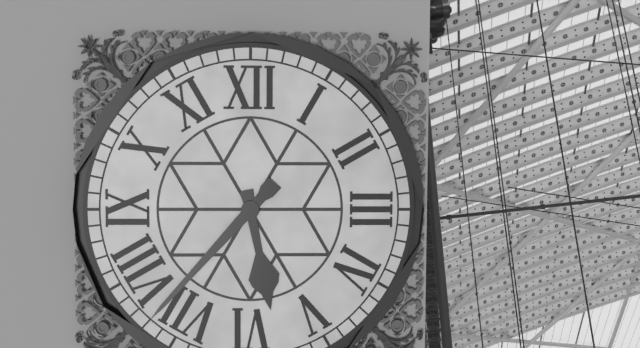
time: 5:37
